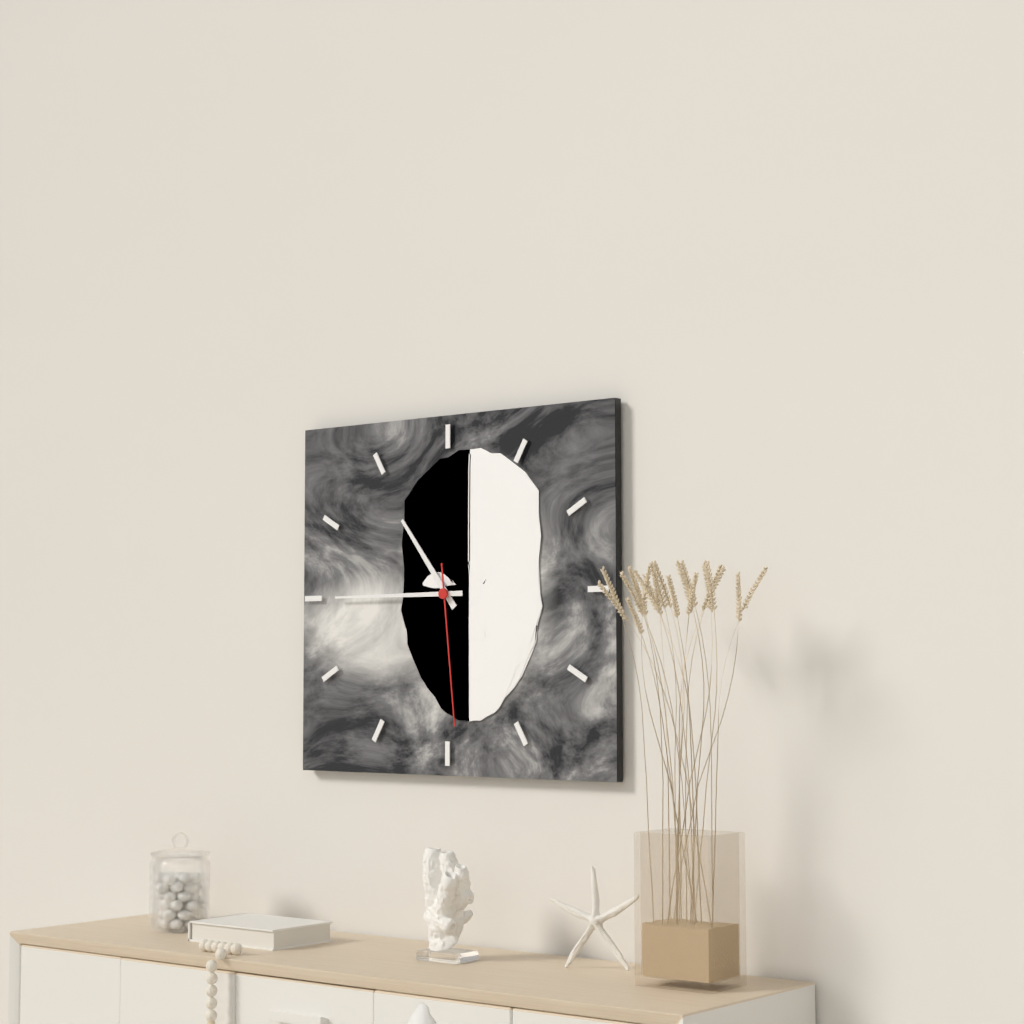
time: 10:45:29
